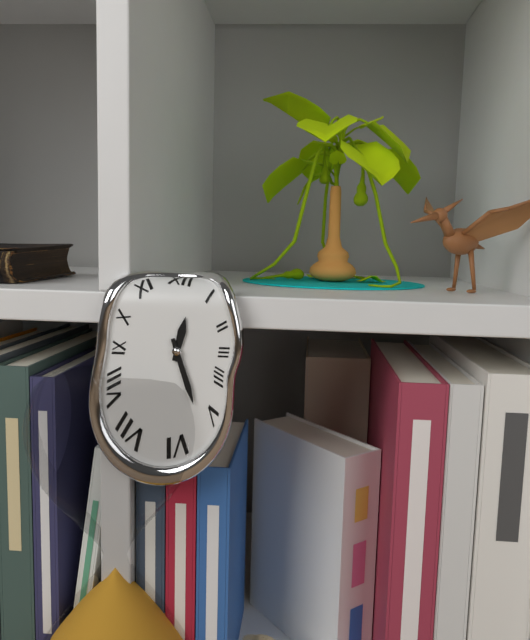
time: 12:27
